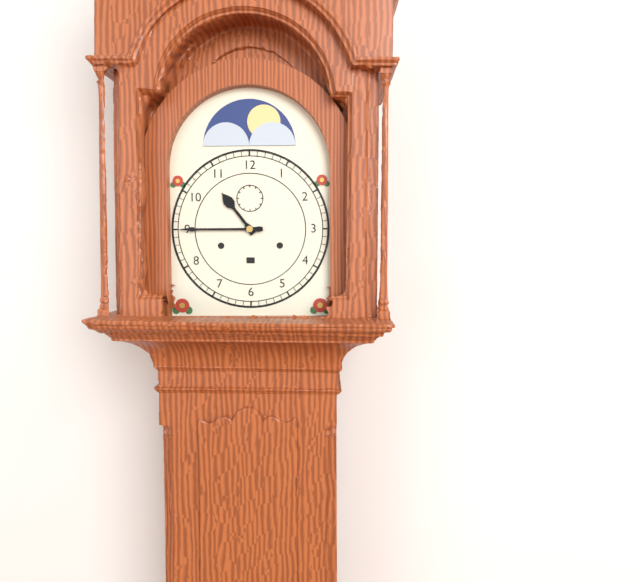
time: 10:45
